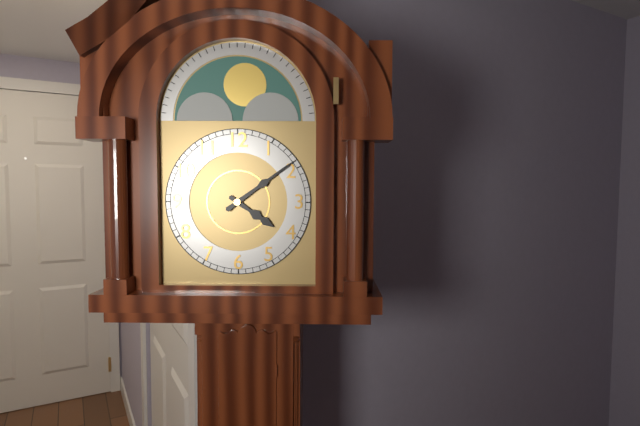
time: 4:09
